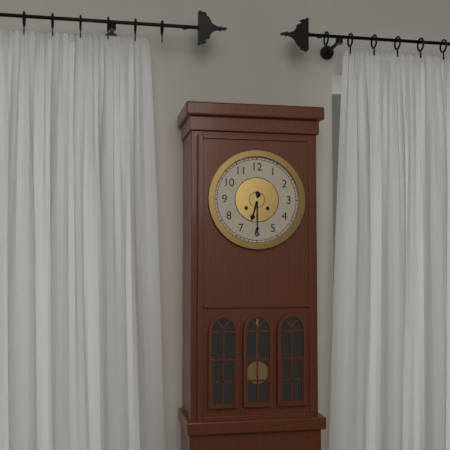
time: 6:30
